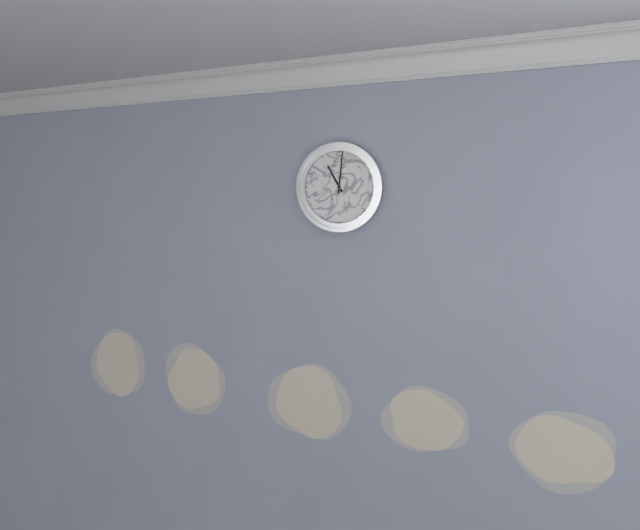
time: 11:01
